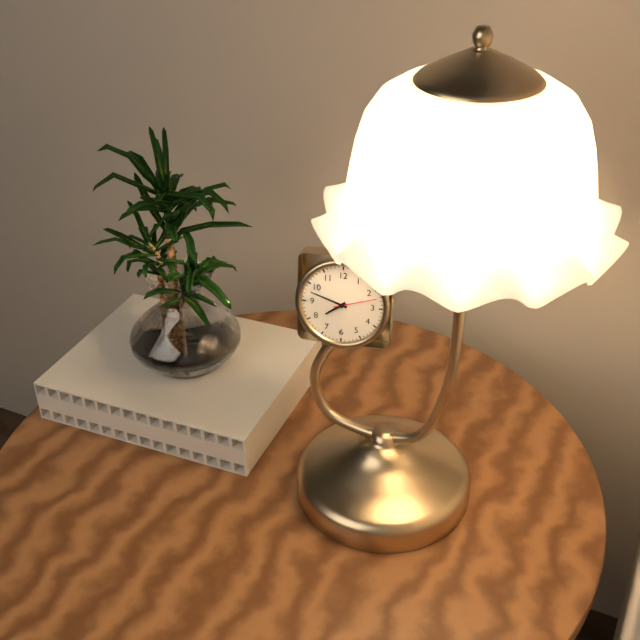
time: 7:48
